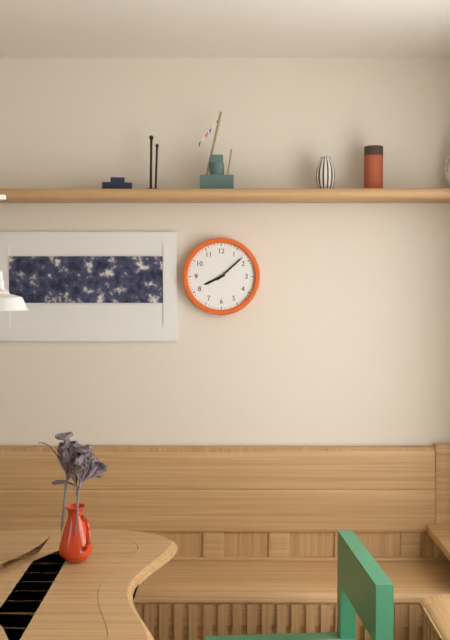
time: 8:08
